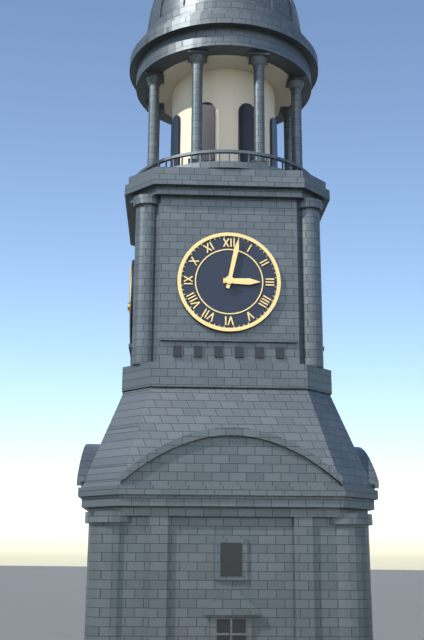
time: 3:02
